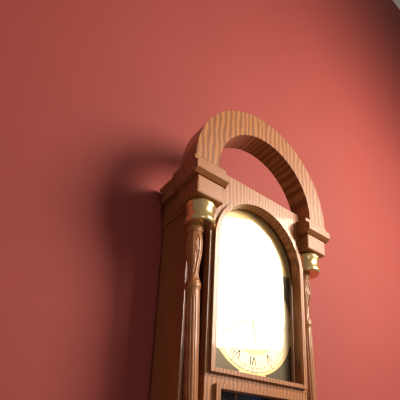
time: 5:40
